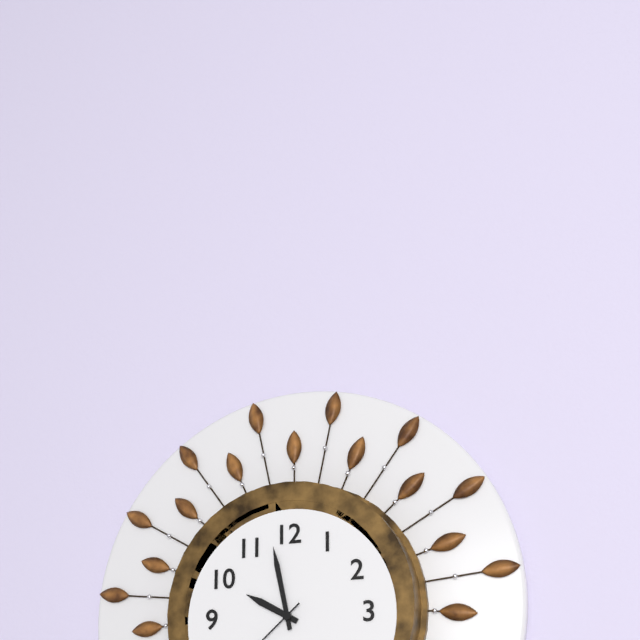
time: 9:58
